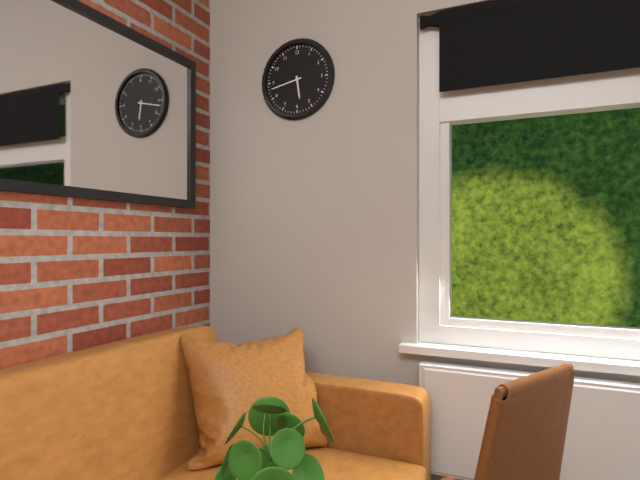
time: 5:43
